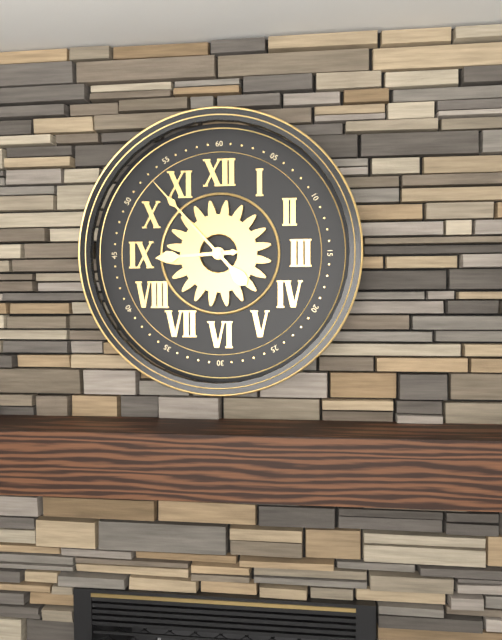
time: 8:53
